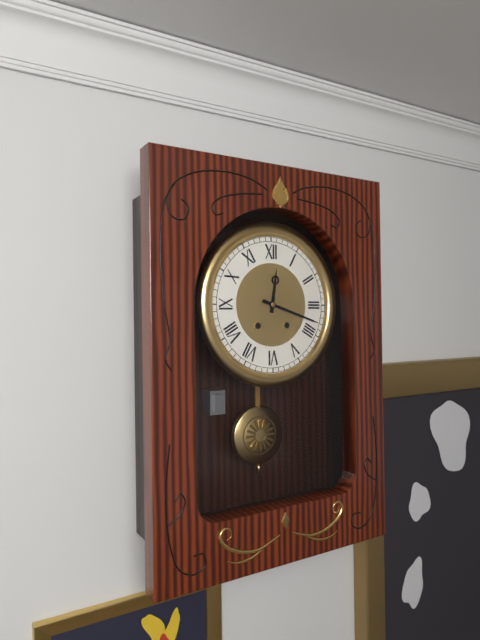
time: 12:18
